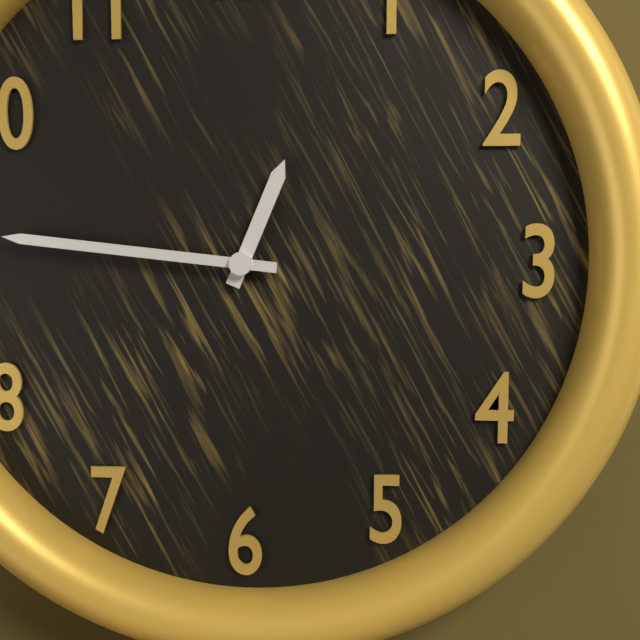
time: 12:46
